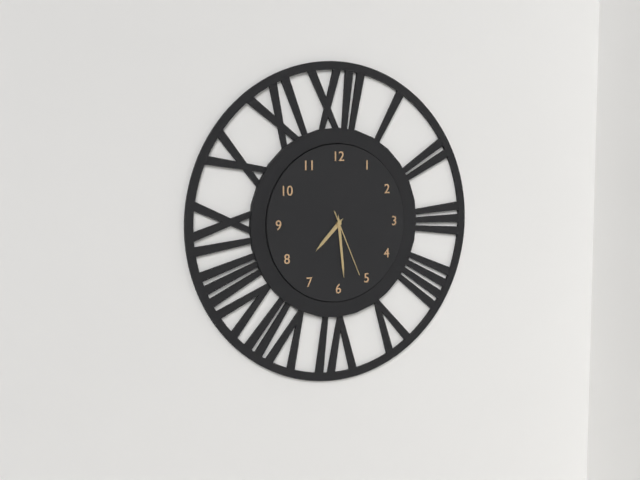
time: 7:29:26
